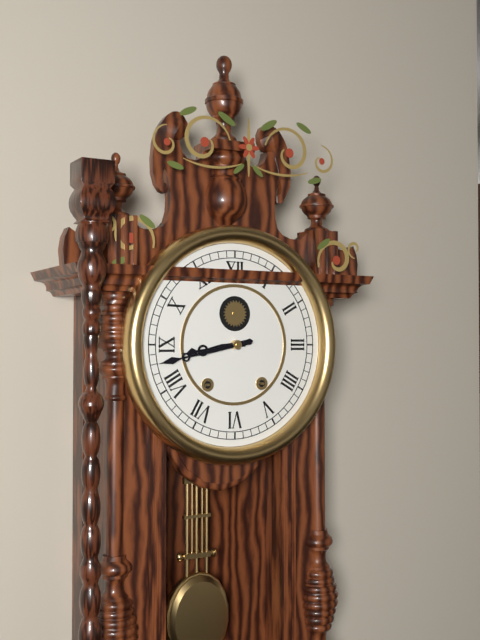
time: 8:43
